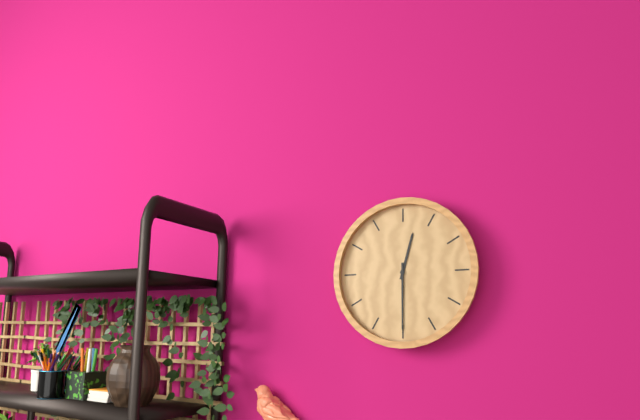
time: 12:30
